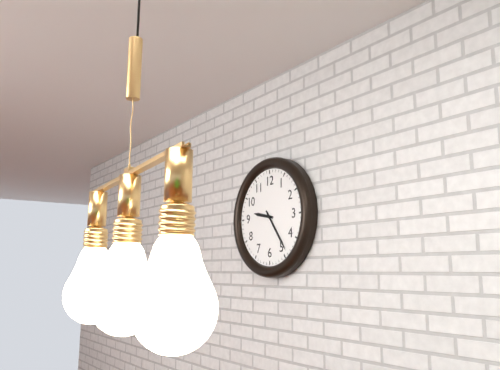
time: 9:24
